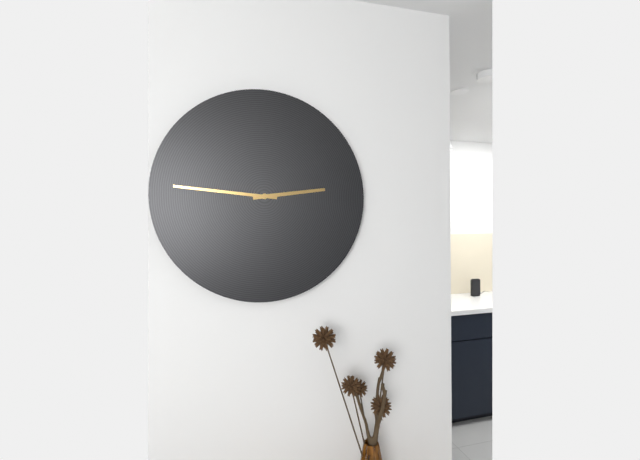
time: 2:46
